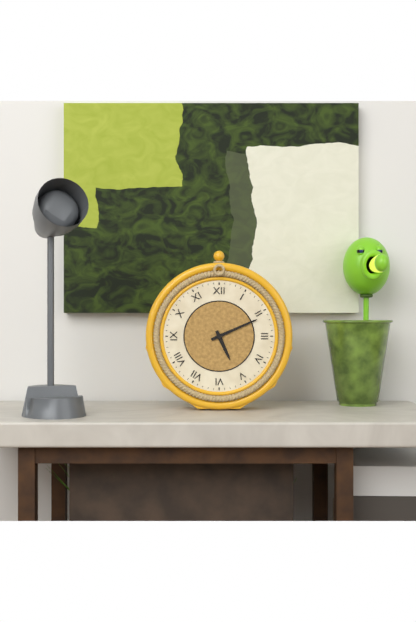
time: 5:11
